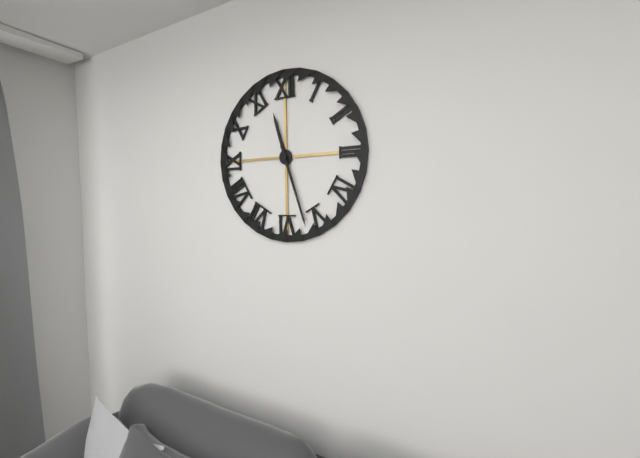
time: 11:27
